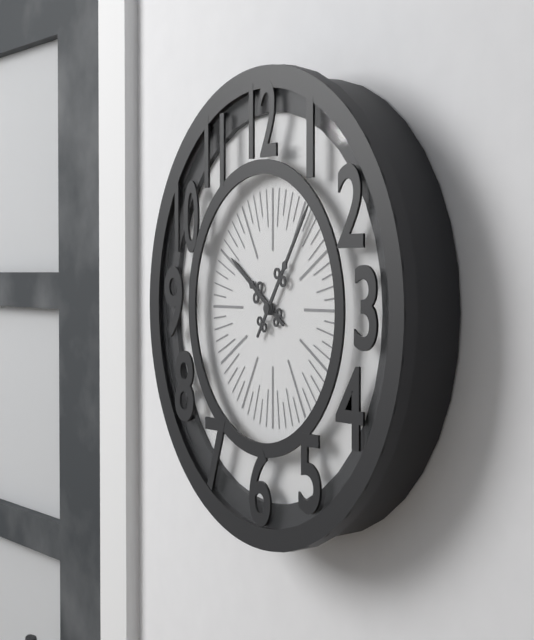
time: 10:06
